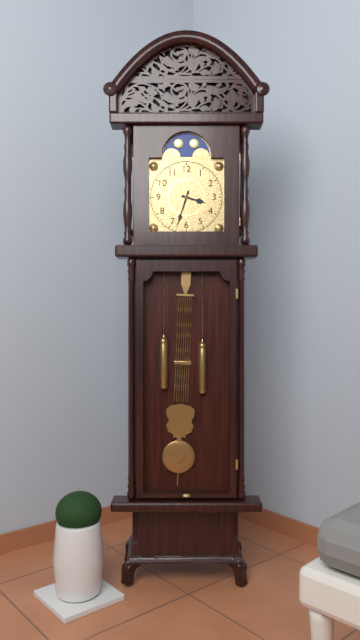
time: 3:33
